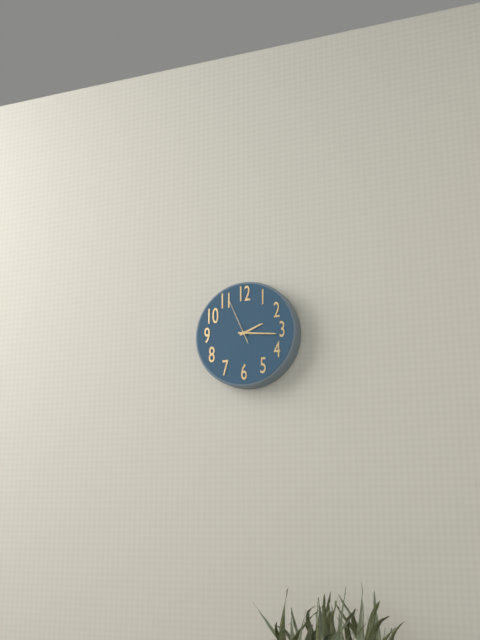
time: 2:16
